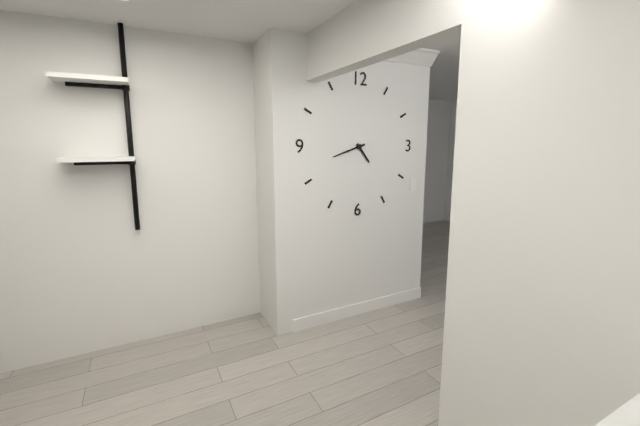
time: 4:42
